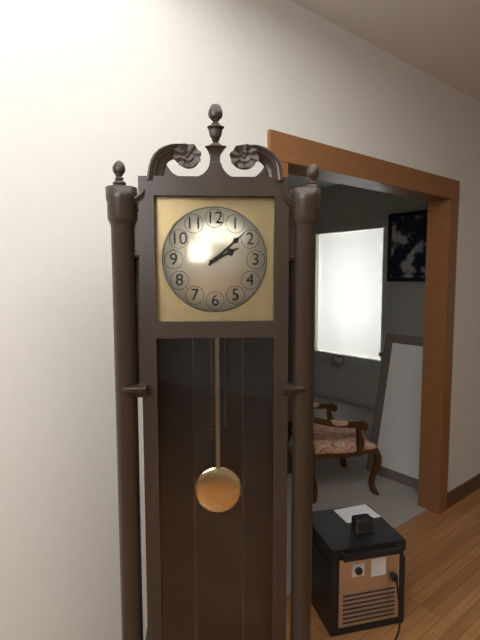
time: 2:08
